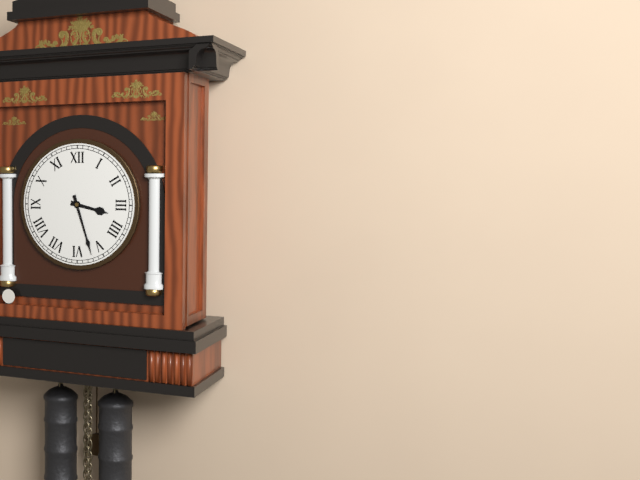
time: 3:27
